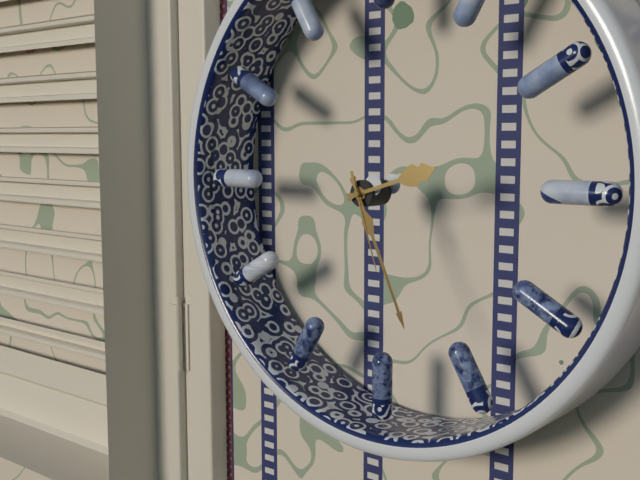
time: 2:26:27
